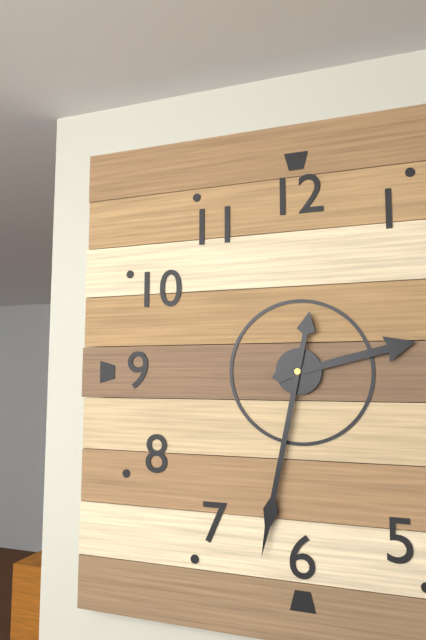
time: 2:32
